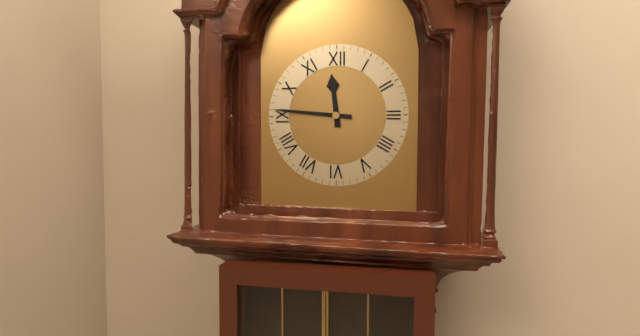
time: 11:46
